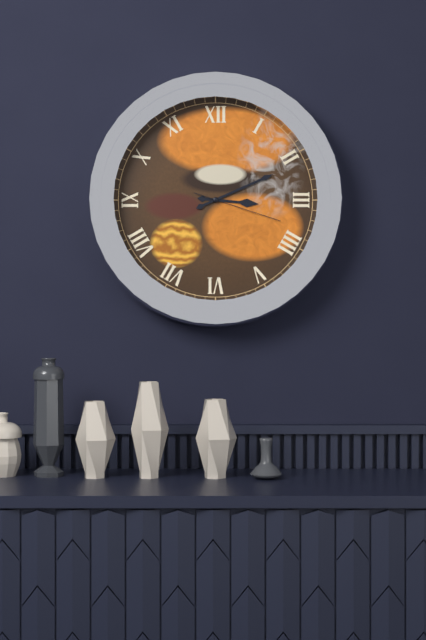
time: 3:11:18
